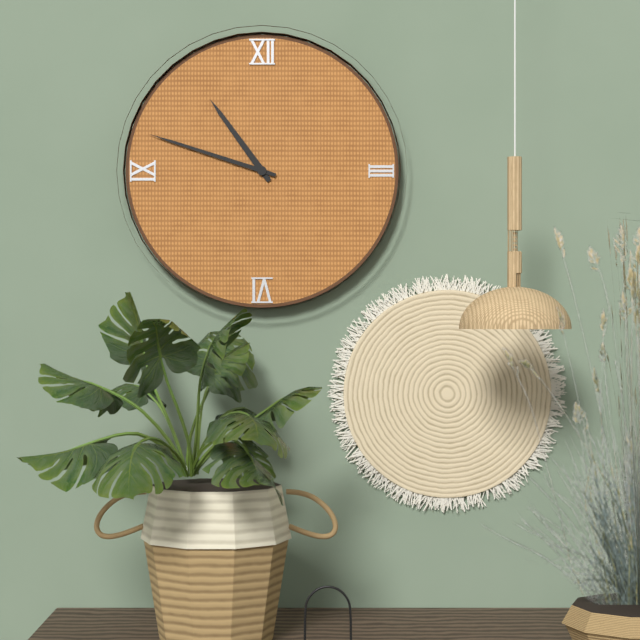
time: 10:48
